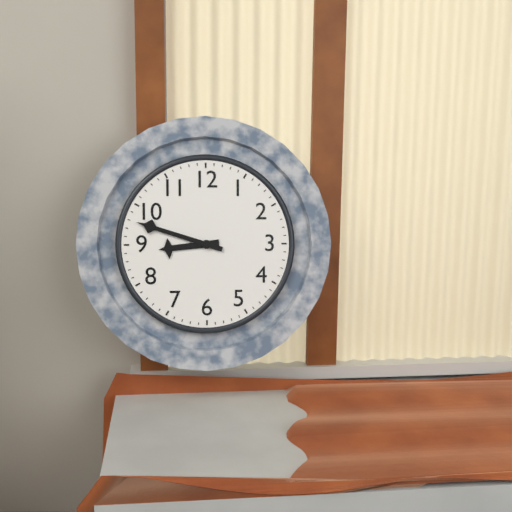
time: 8:48
